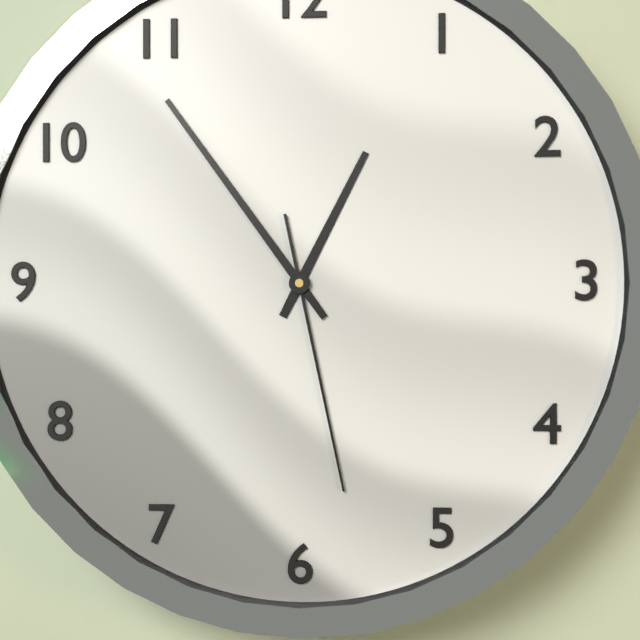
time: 12:54:28
